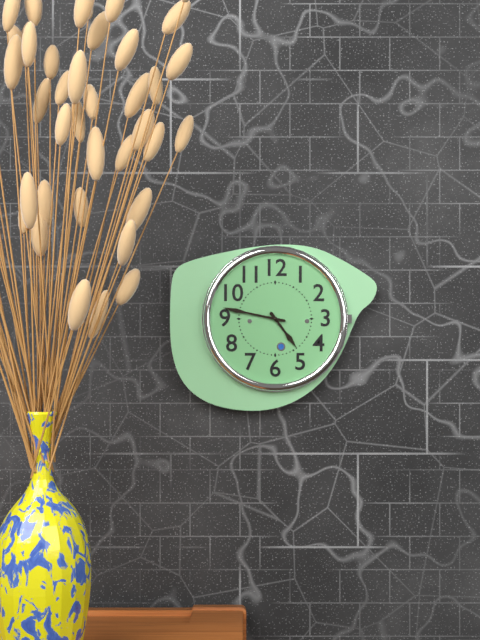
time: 4:47
